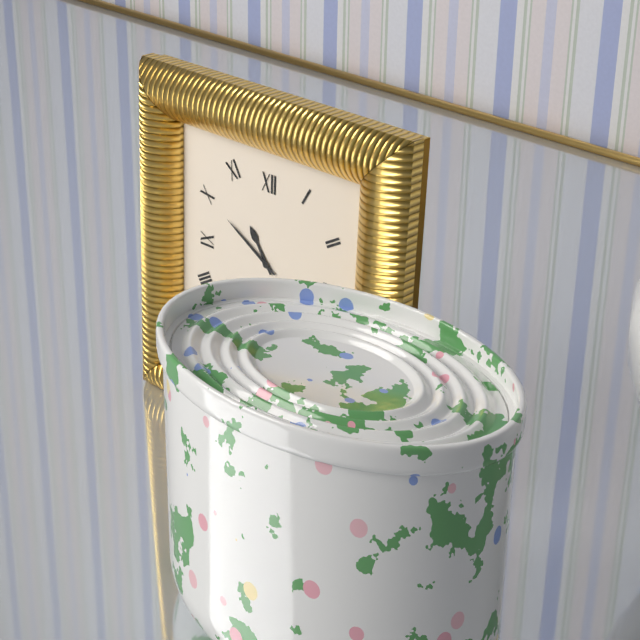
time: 10:50
